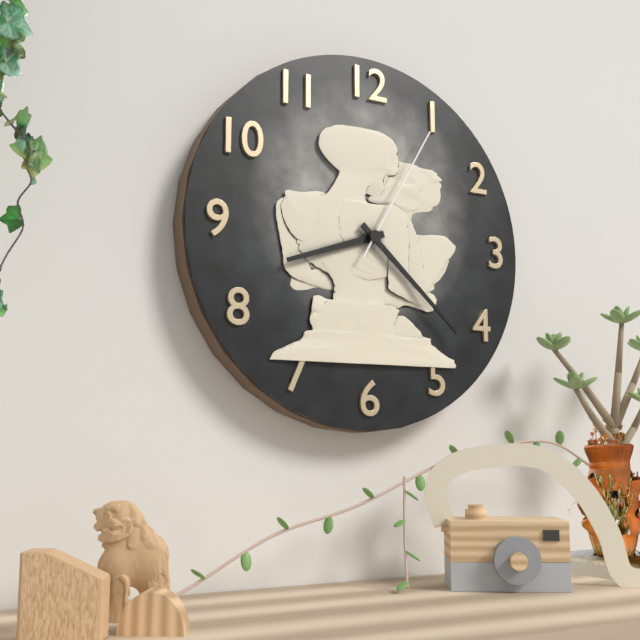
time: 8:22:05
